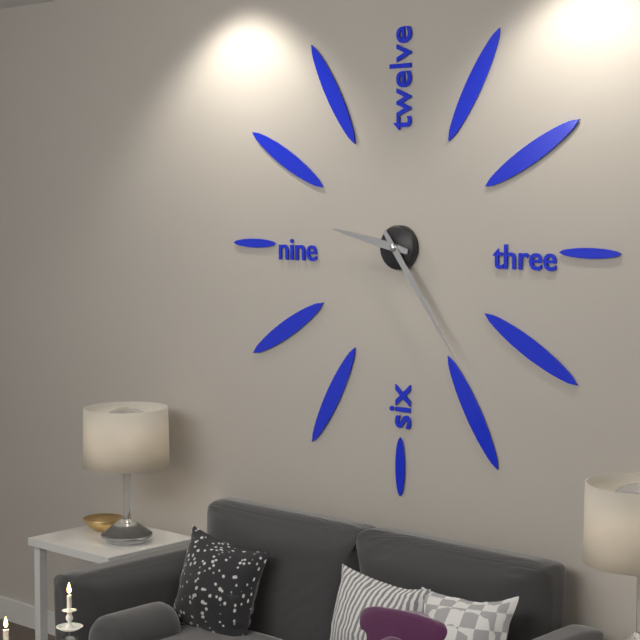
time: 9:24
